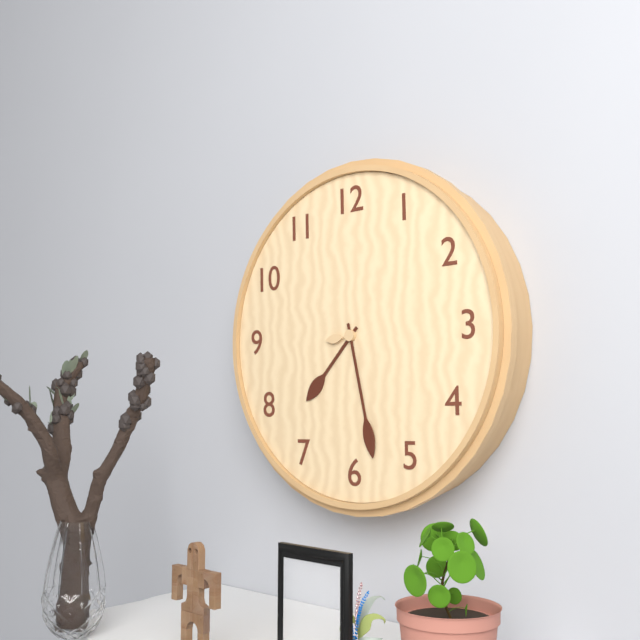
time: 7:28:44
